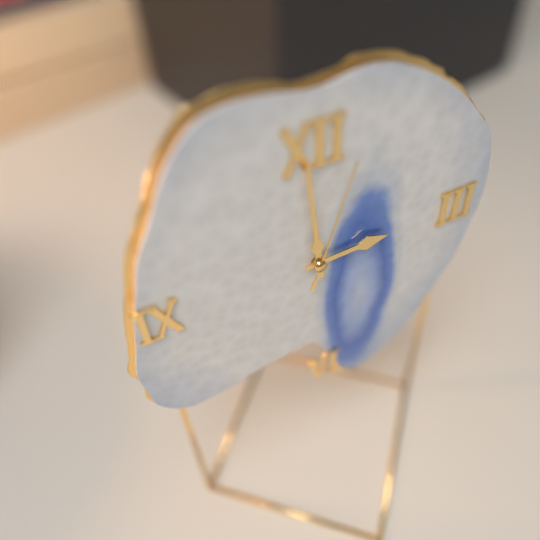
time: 2:59:03
